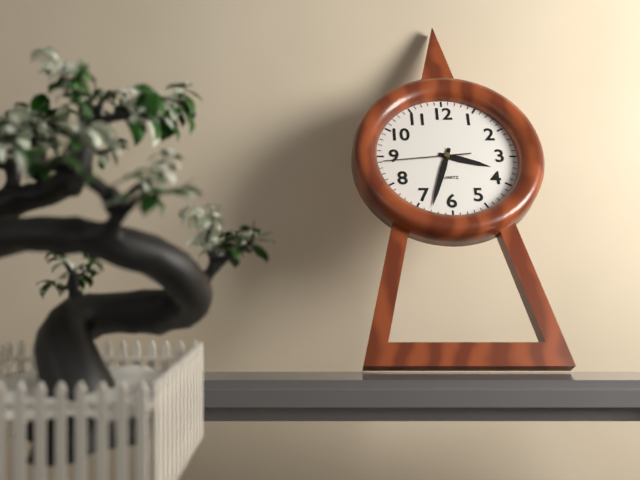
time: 3:33:44
